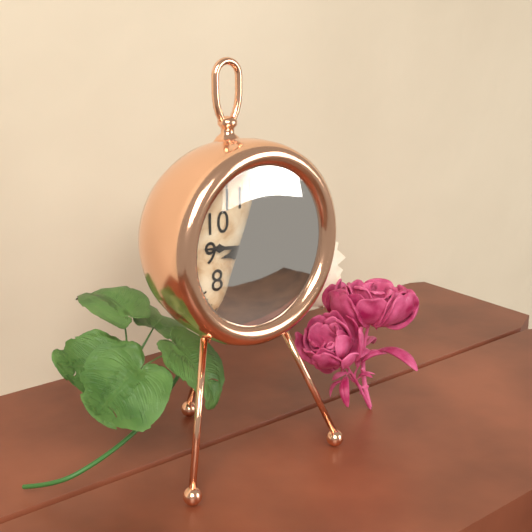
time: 8:46
